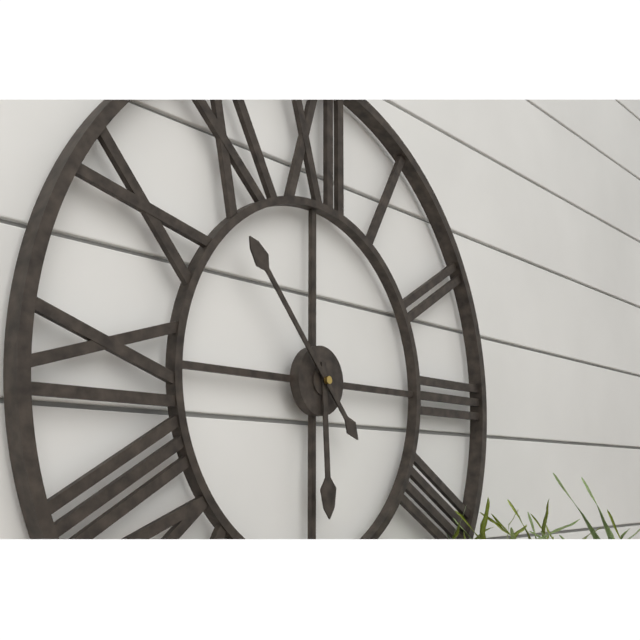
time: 5:53
